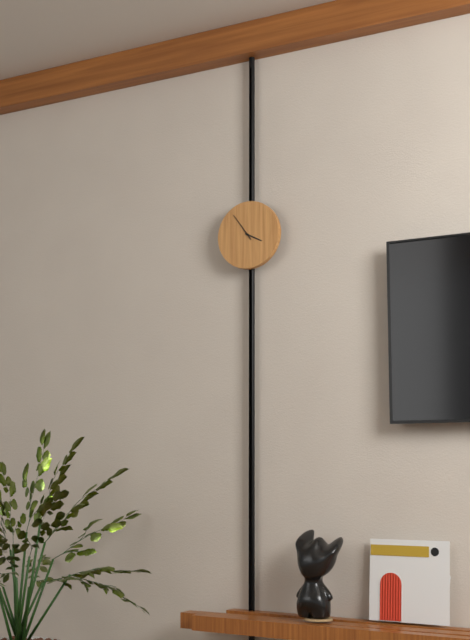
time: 3:54
